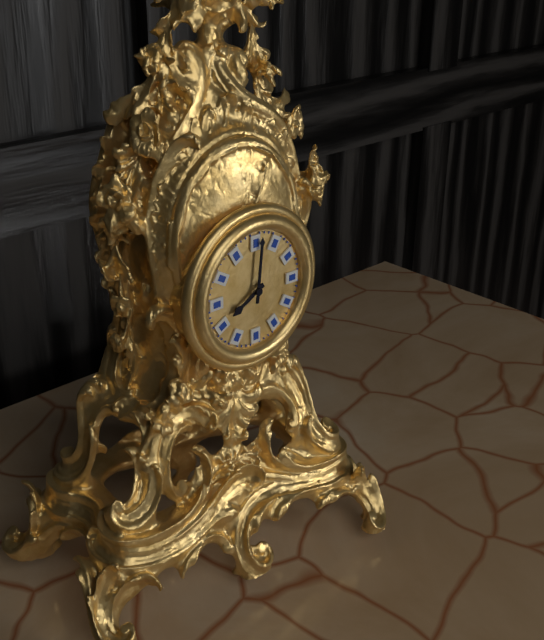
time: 8:01
